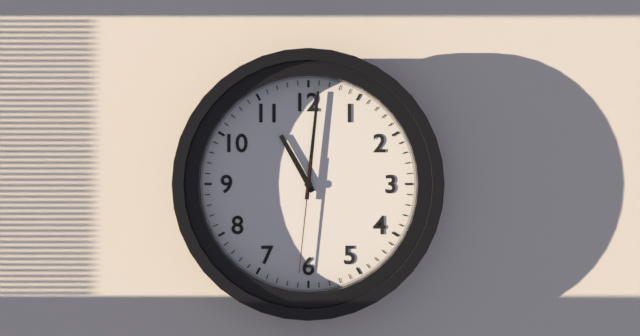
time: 11:01:31
